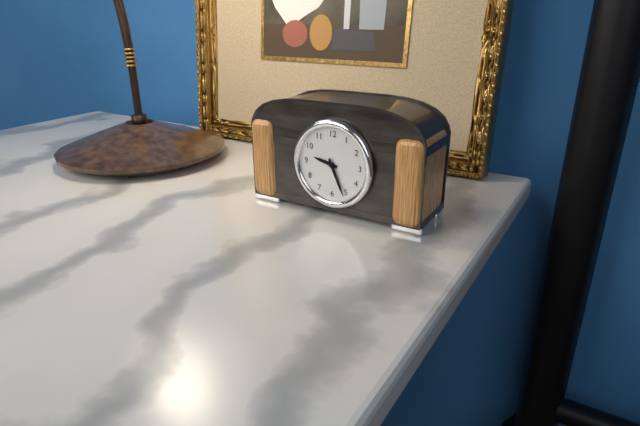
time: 9:26
